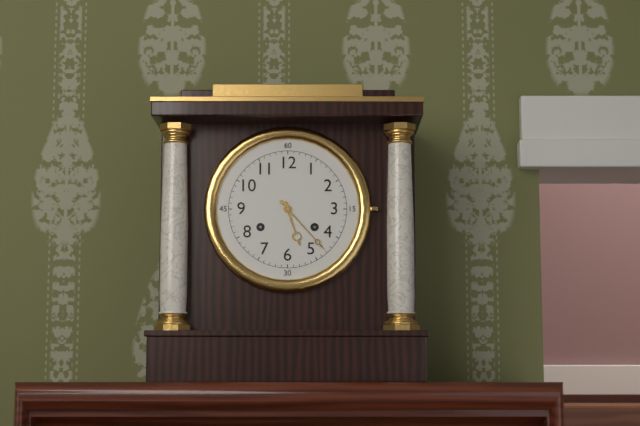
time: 5:23
